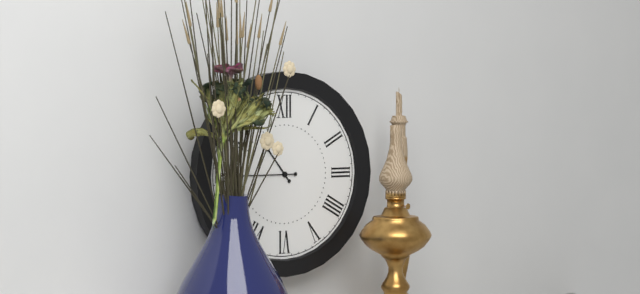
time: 10:45
